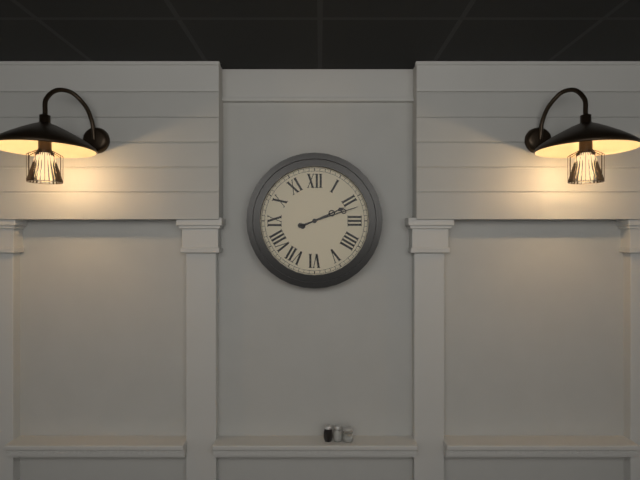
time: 2:12
